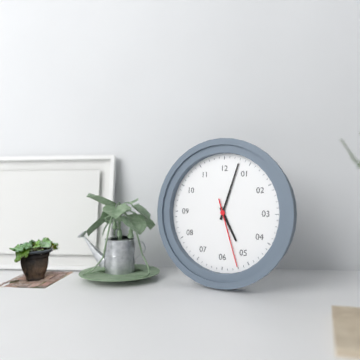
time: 5:03:27
